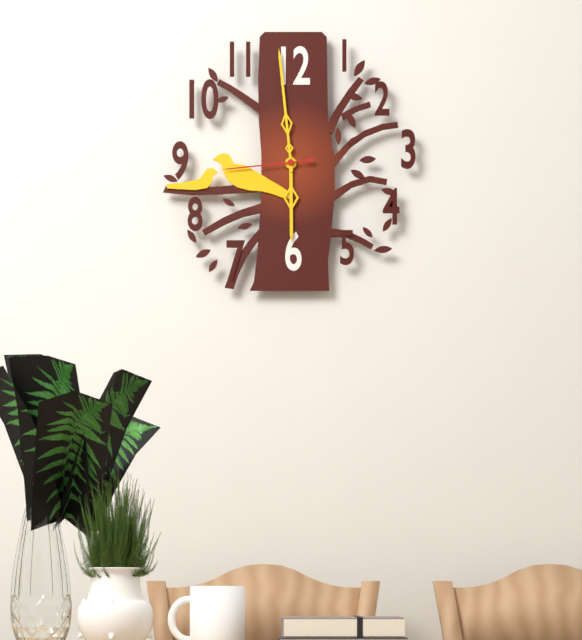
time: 5:59:44
